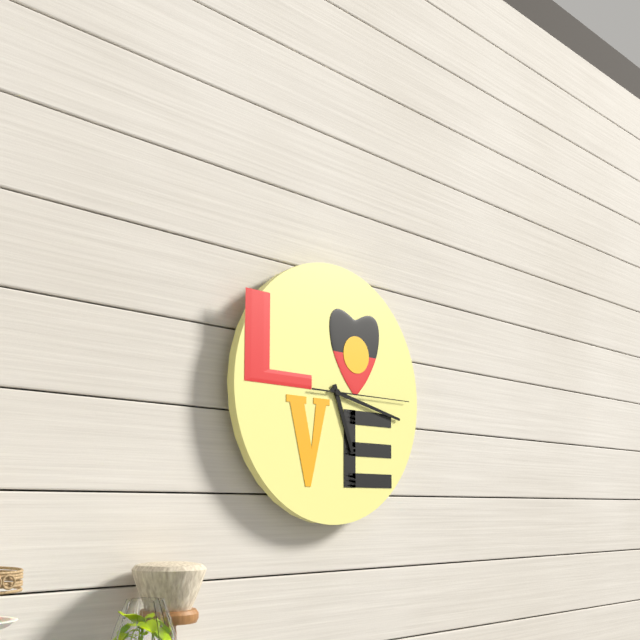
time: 5:17:15
